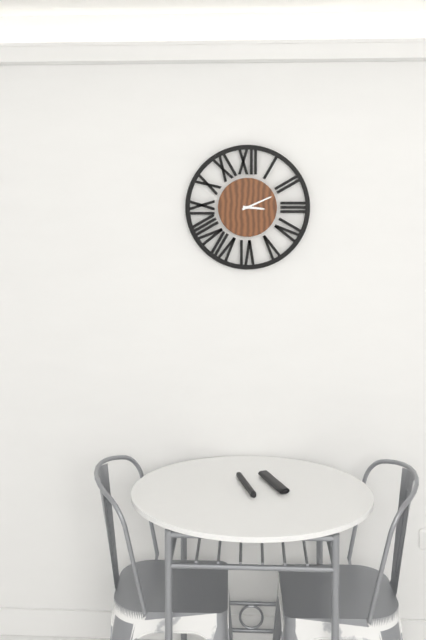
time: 3:11
